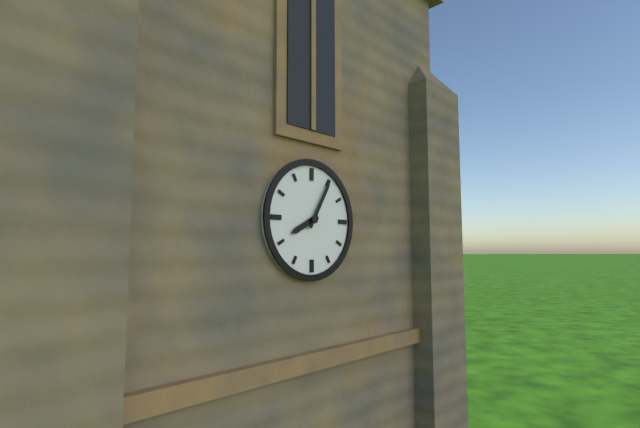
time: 8:05
